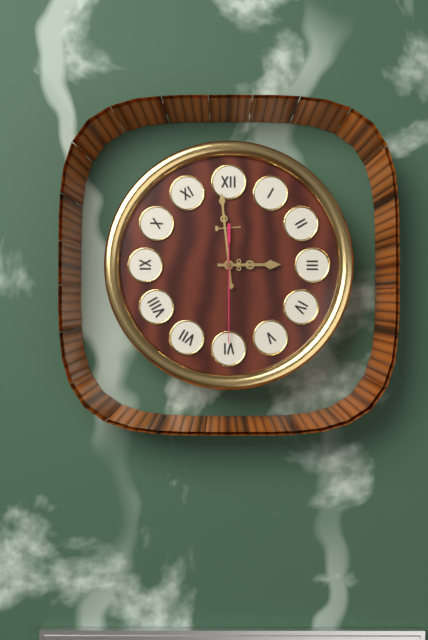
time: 2:59:30
